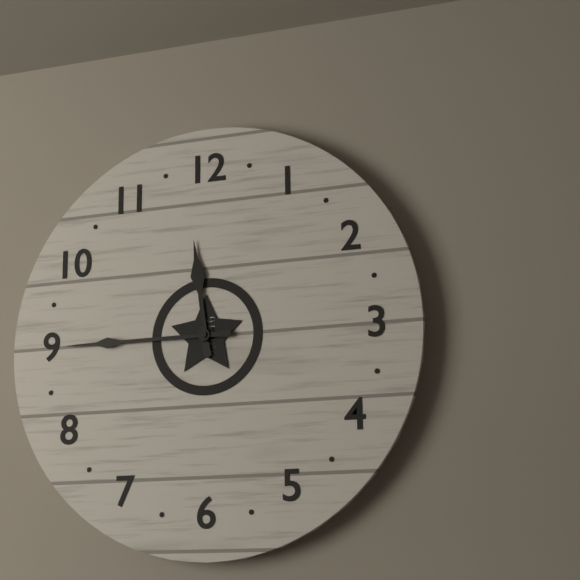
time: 11:45
